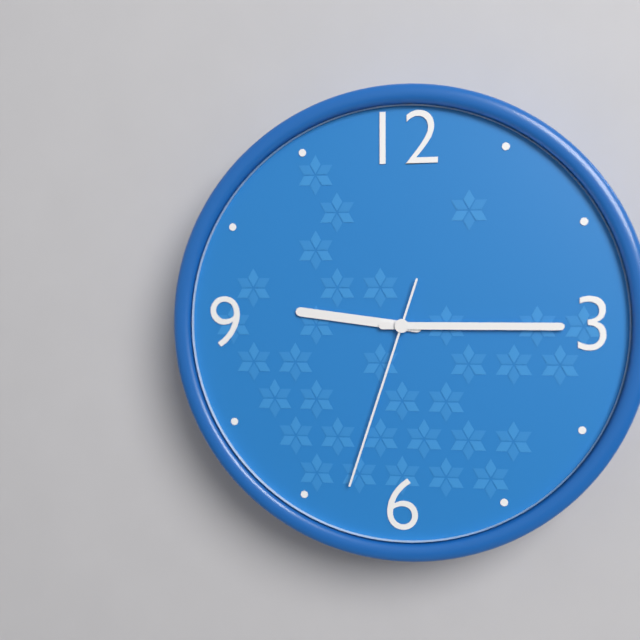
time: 9:15:33
